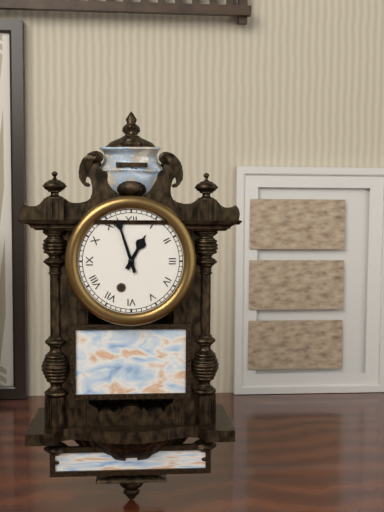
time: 12:57
